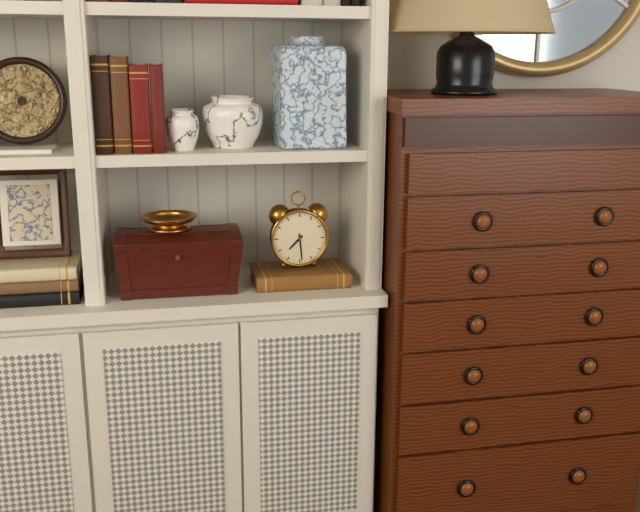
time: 7:29
